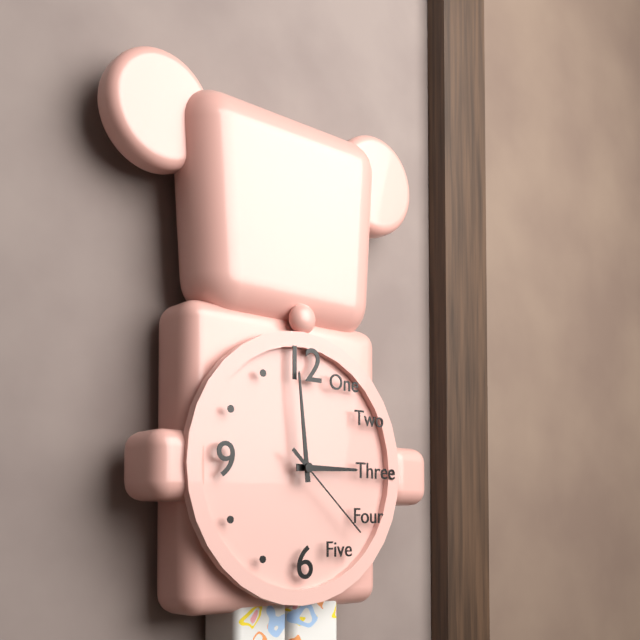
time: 2:59:22
